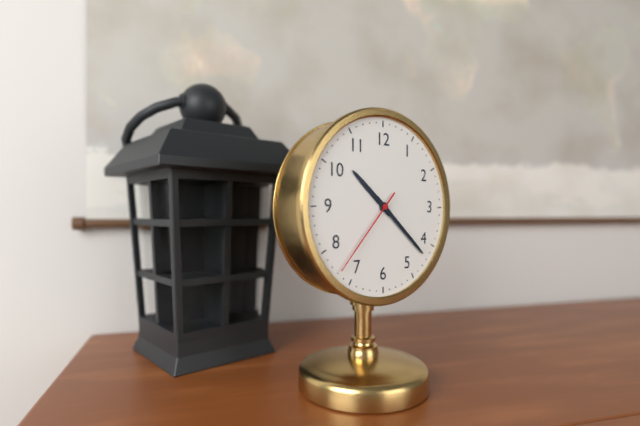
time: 10:22:37
